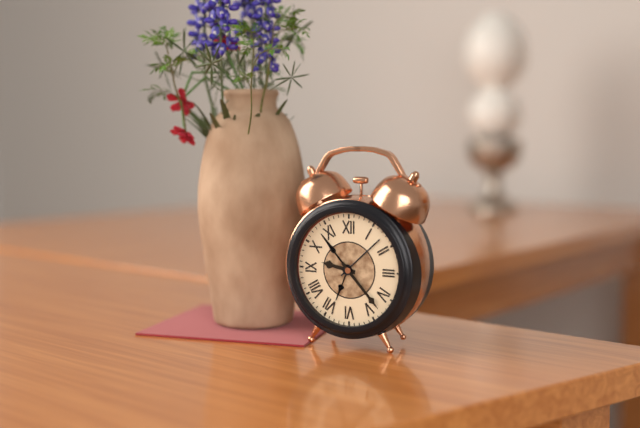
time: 9:23
